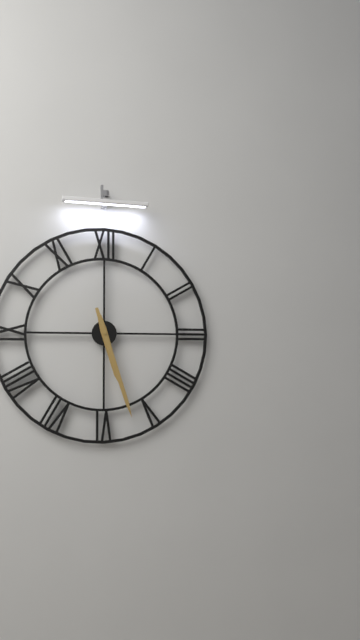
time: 5:27
